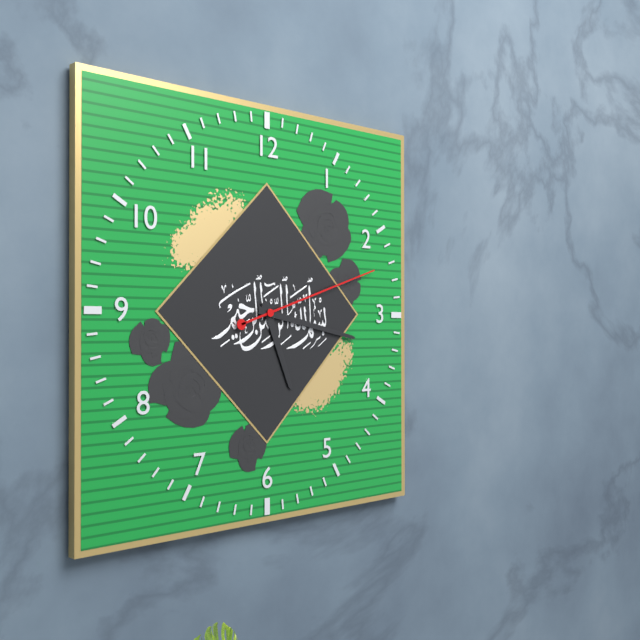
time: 5:17:12
